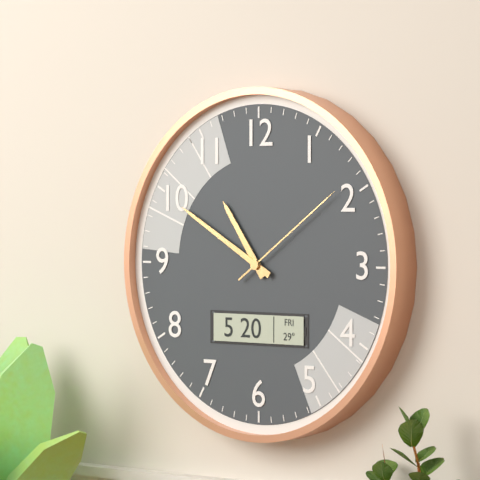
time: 10:50:09
